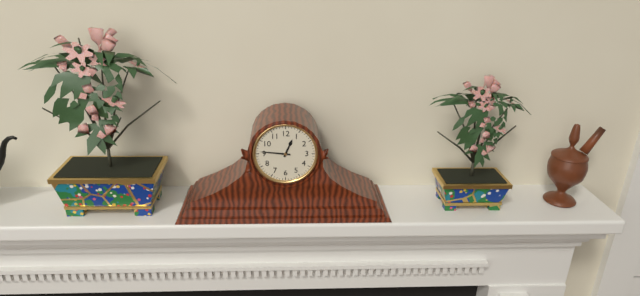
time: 12:46
